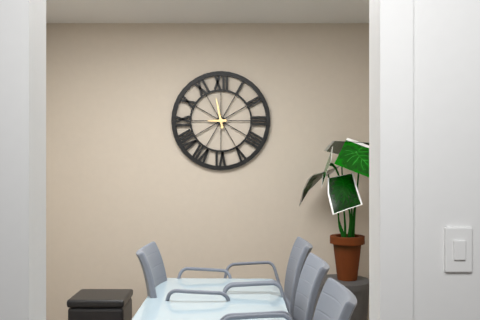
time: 8:58
